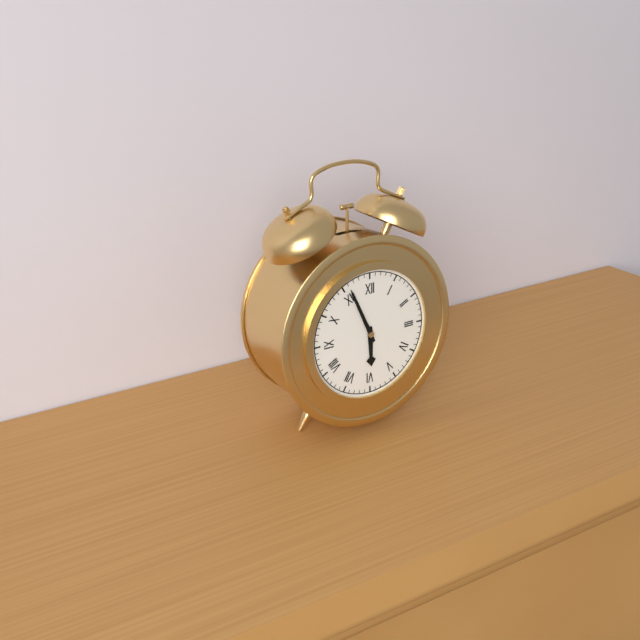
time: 5:56
